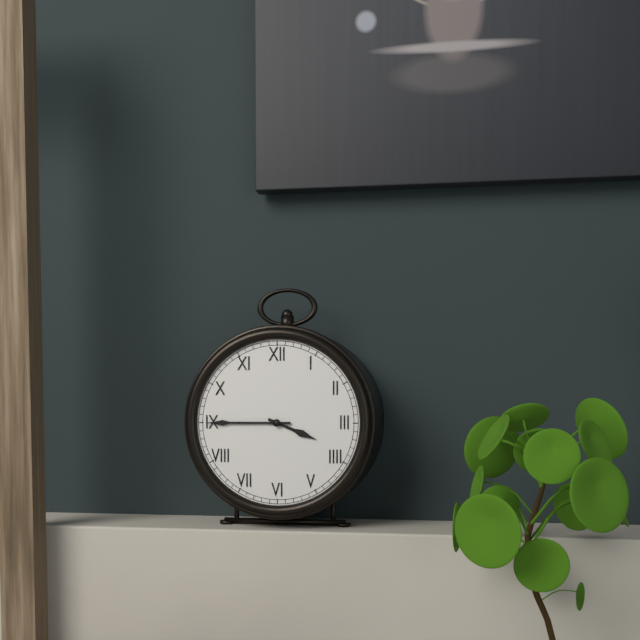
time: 3:45
